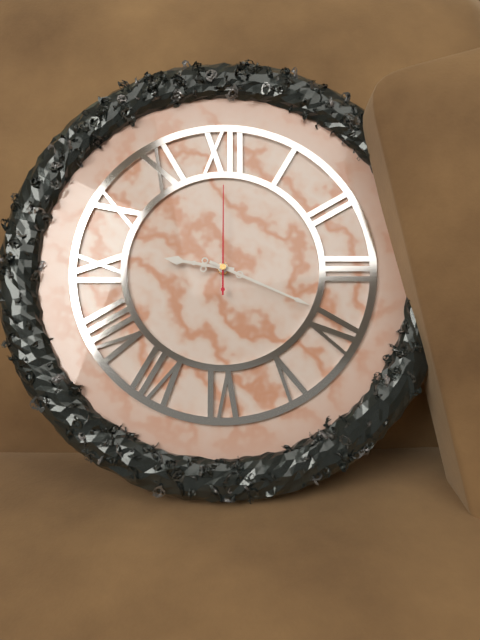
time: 9:19:00
